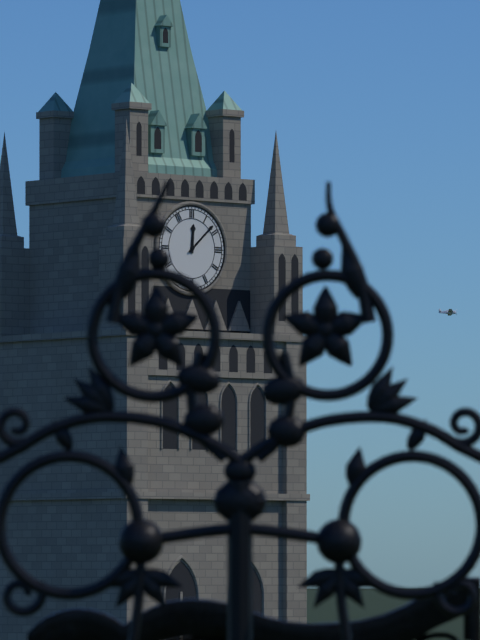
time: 12:08
